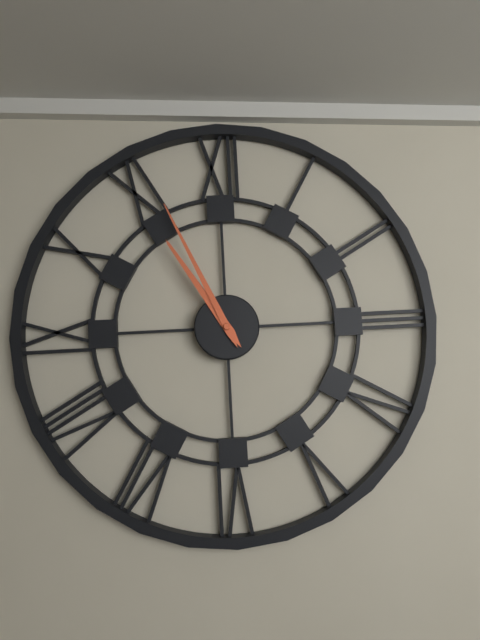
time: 10:56
